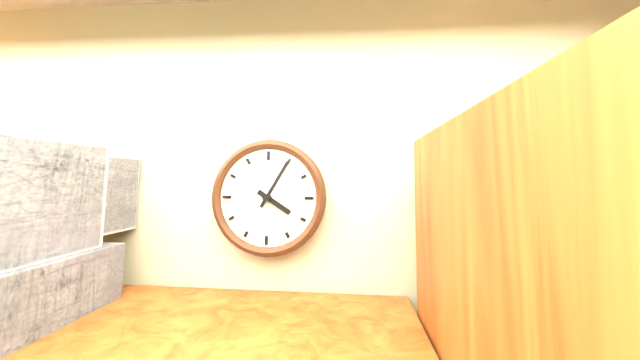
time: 4:05
